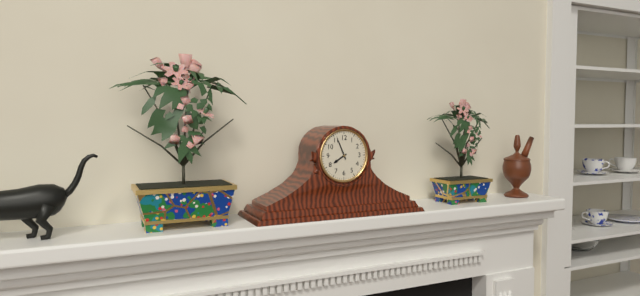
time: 7:56
